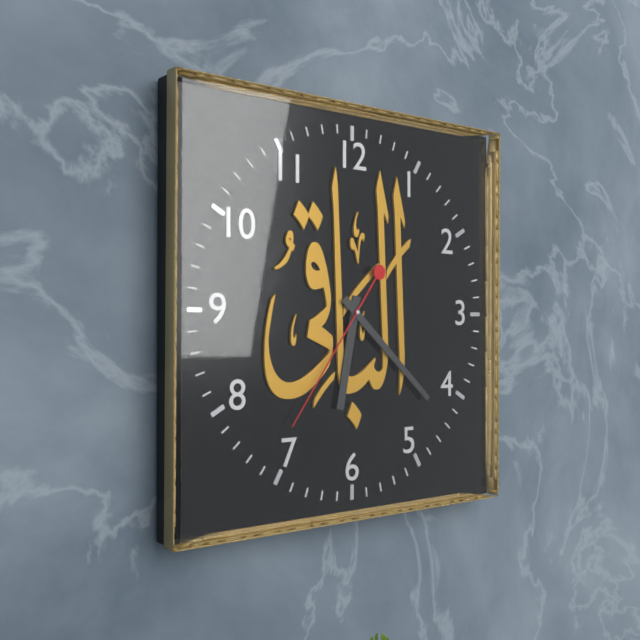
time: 6:22:36
